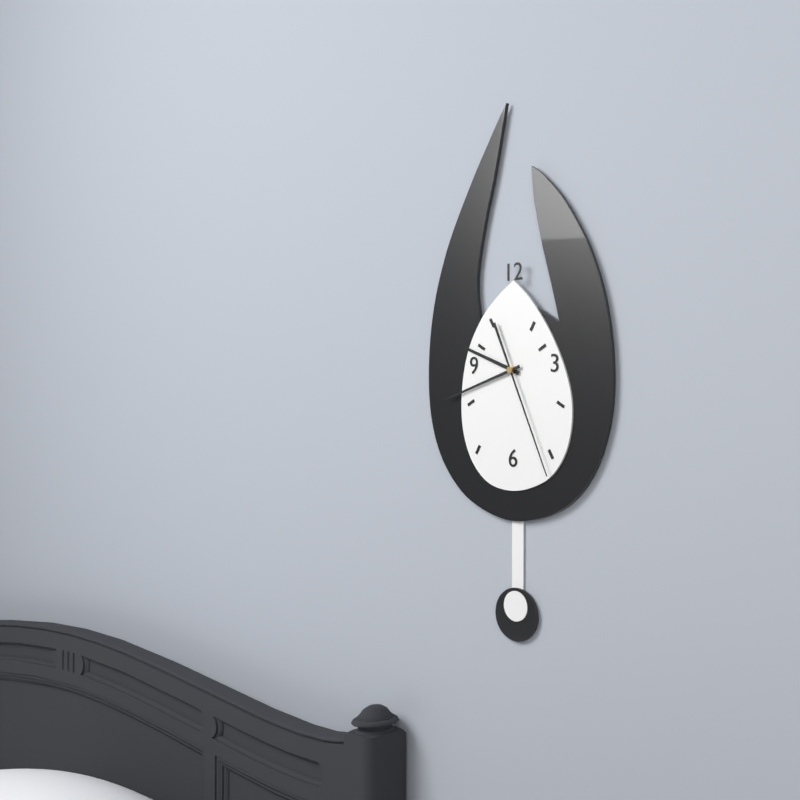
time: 9:42:26
